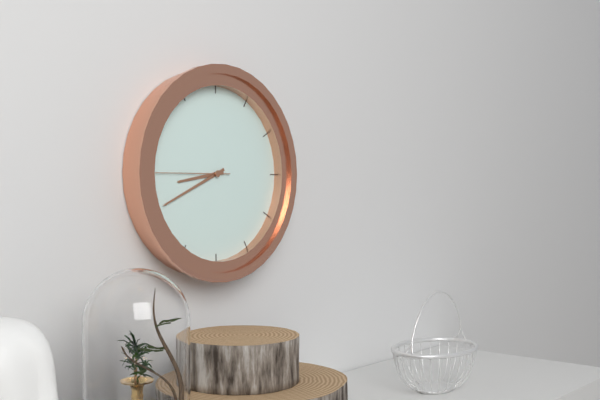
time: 8:41:45
